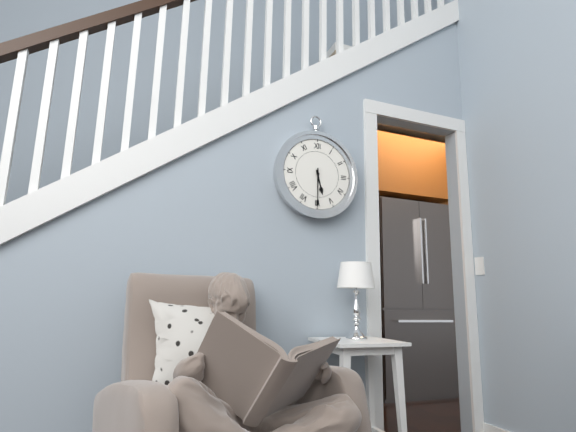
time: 5:30
